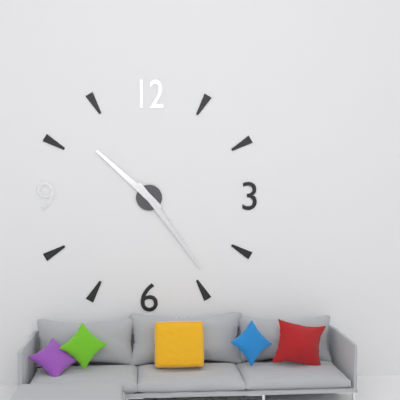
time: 10:24
